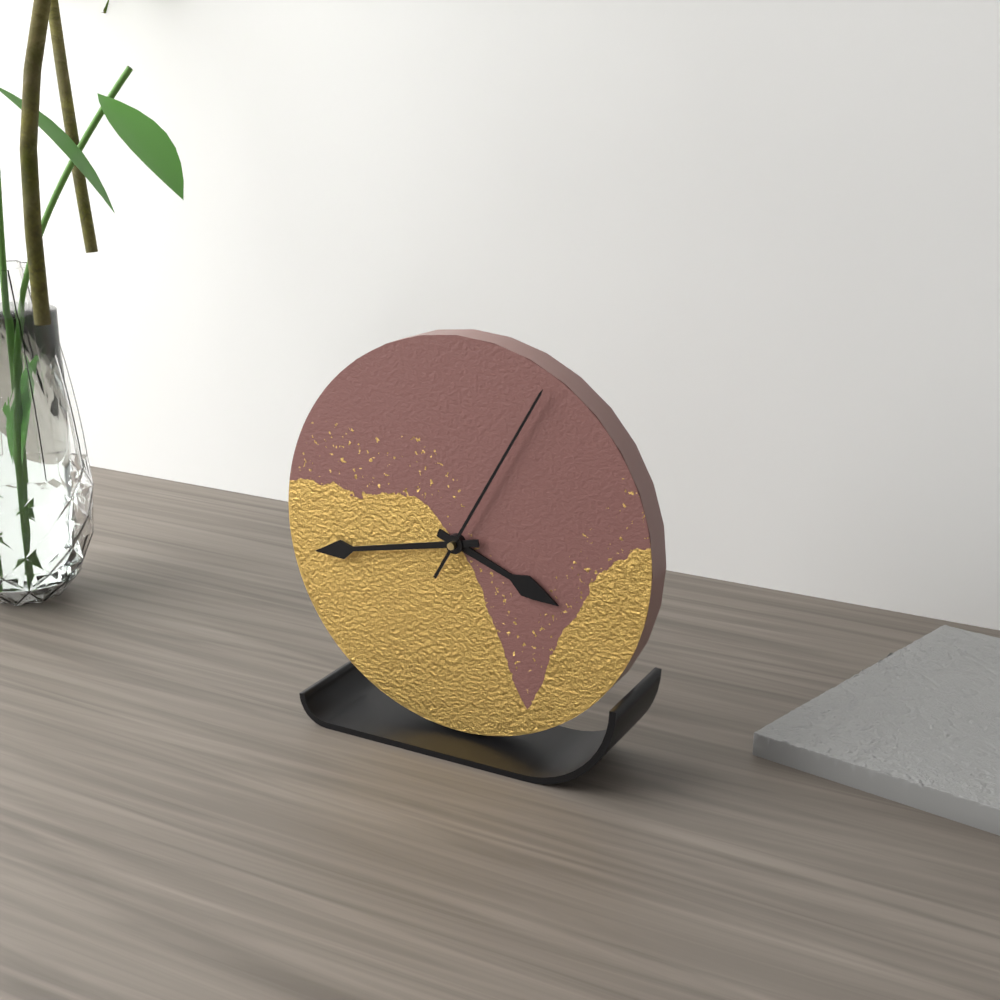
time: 3:43:05
